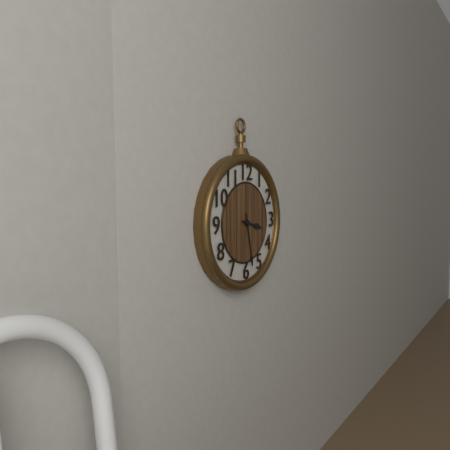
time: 3:28
